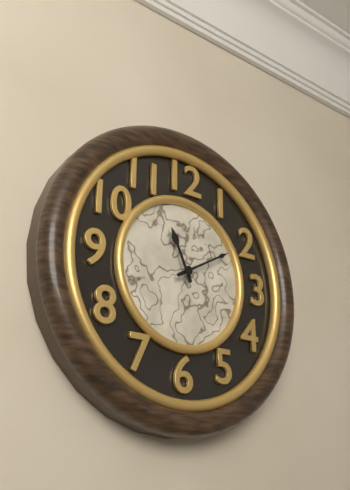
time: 11:10
